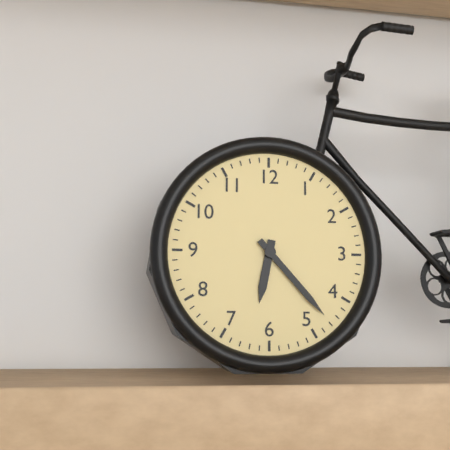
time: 6:23
